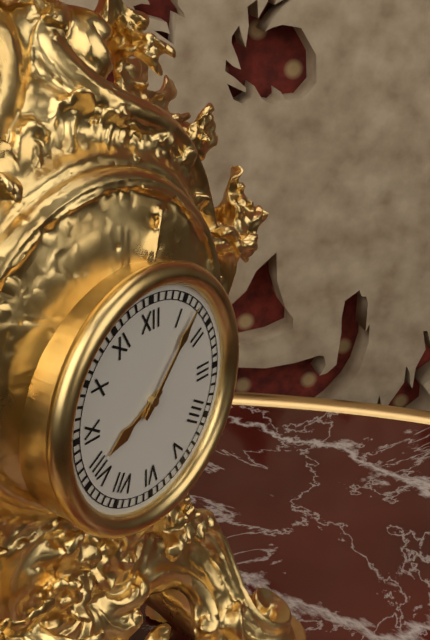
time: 8:07
